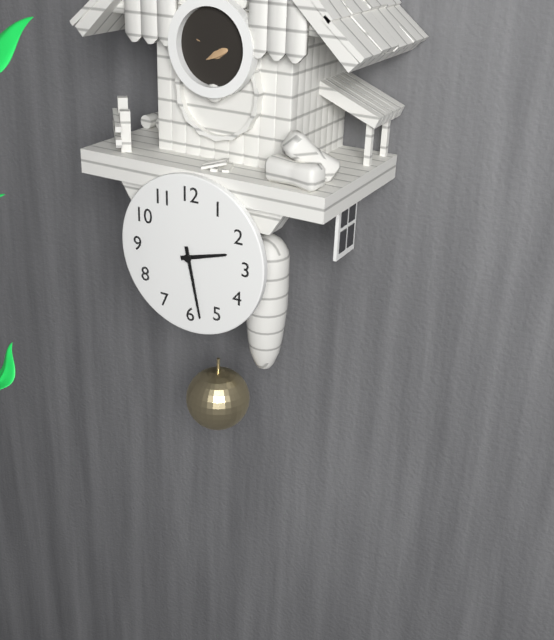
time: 2:28
